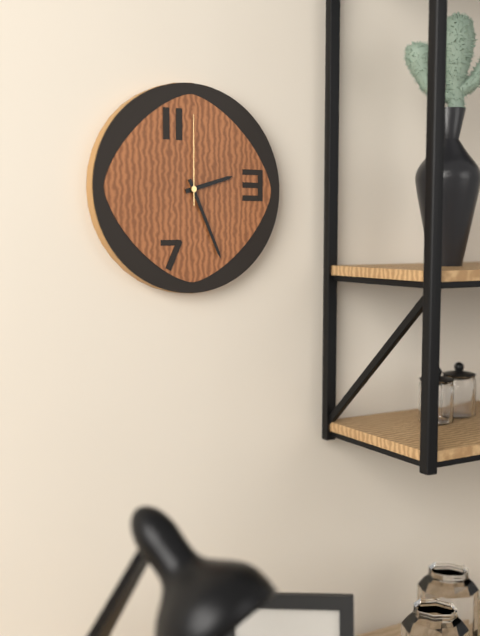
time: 2:26:00
